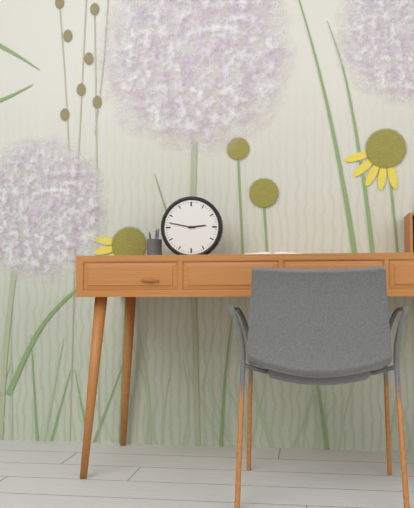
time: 2:47
